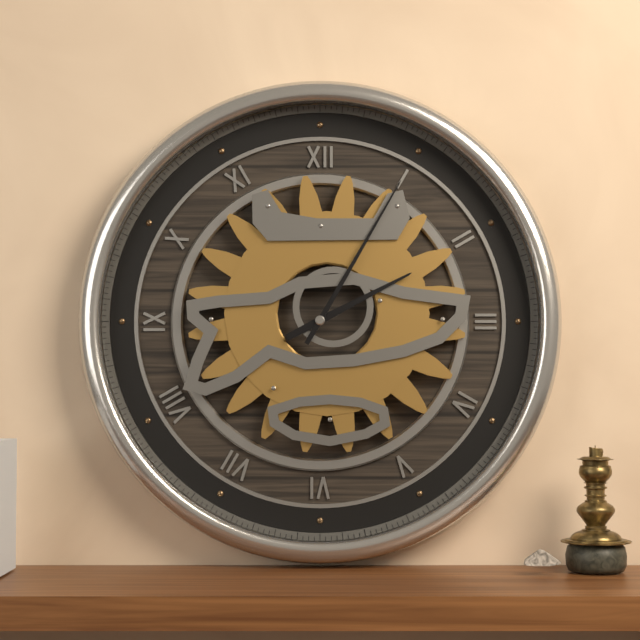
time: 2:05
